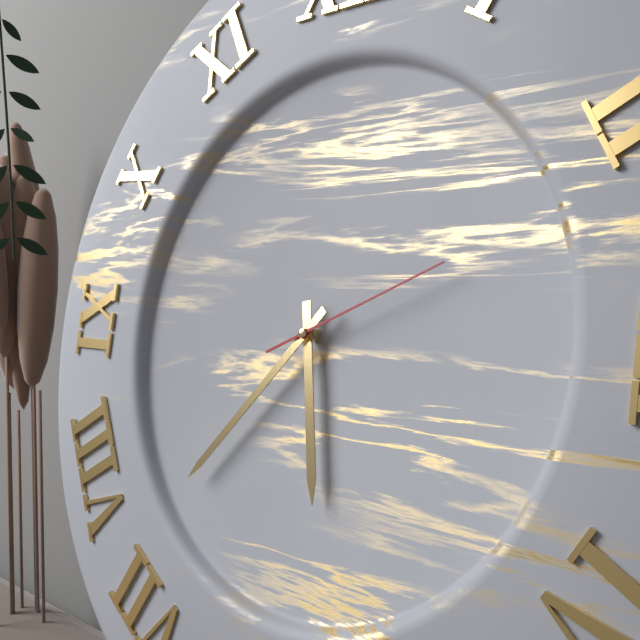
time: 5:37:11
